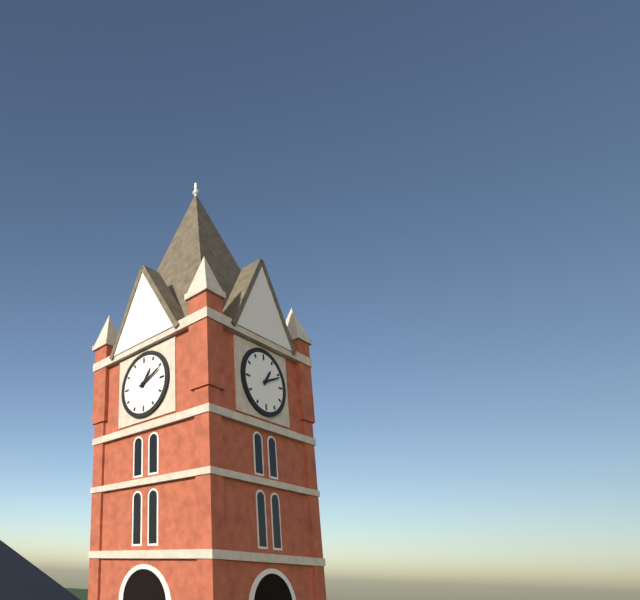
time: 1:11
